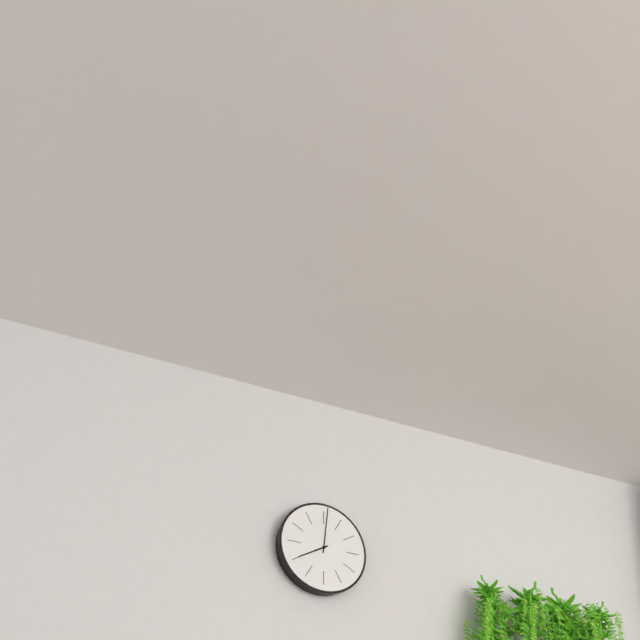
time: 8:01
